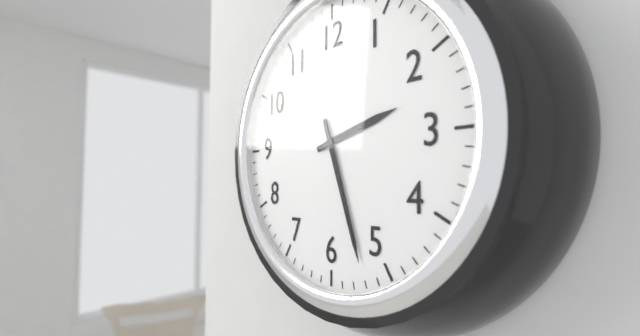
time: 2:27
